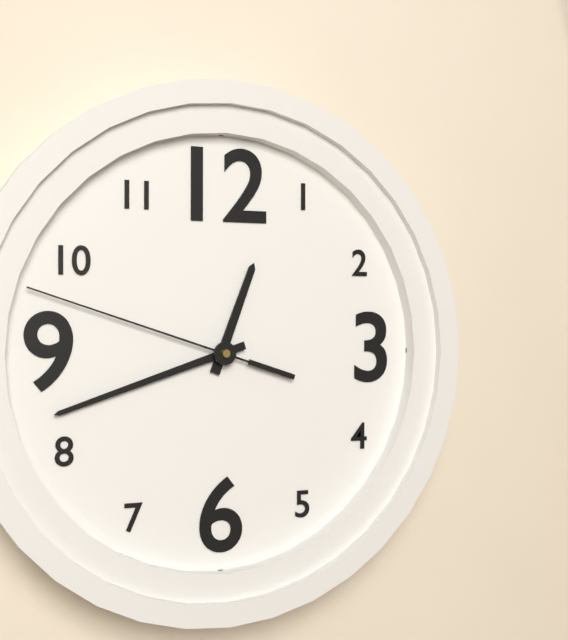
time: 12:42:48
